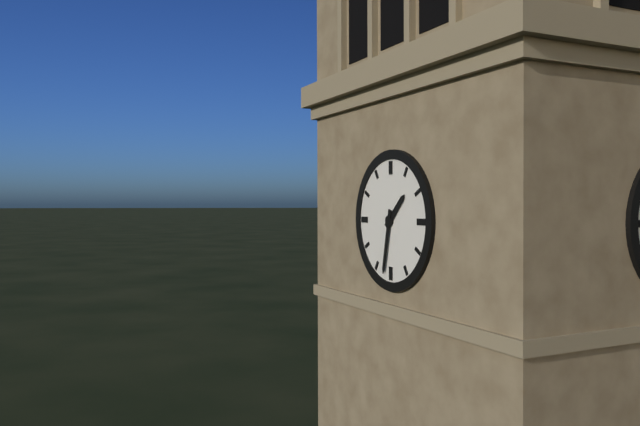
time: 1:32
